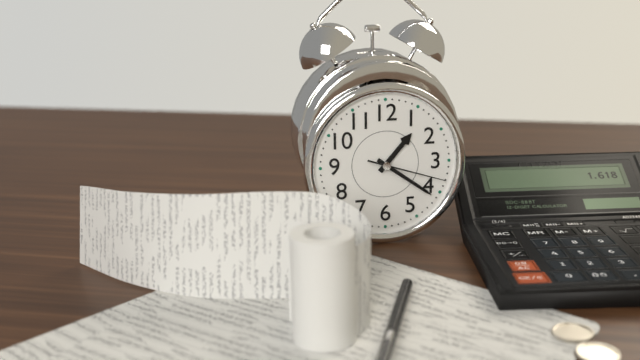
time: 1:21:18
